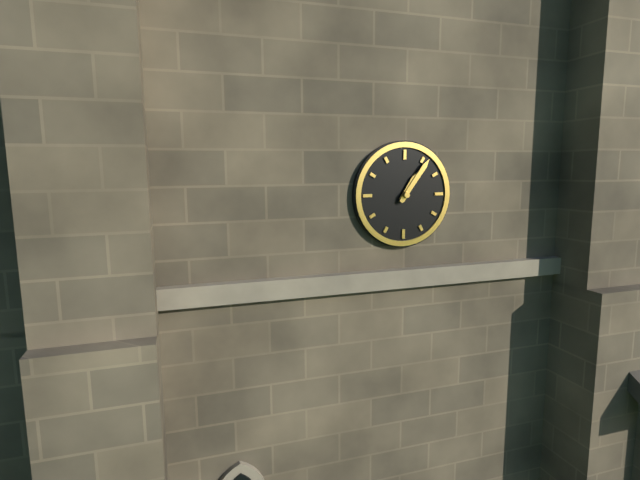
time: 1:06
